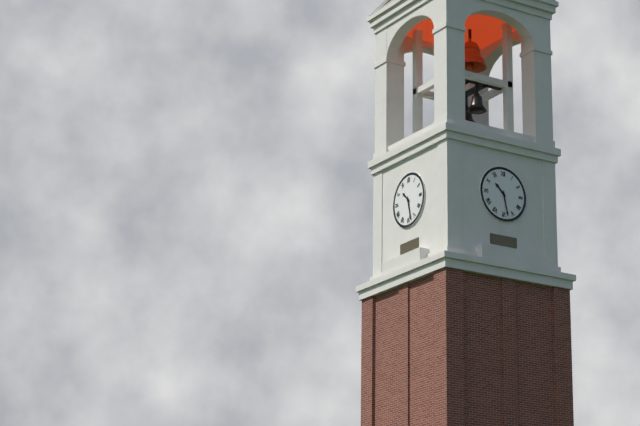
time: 10:28
